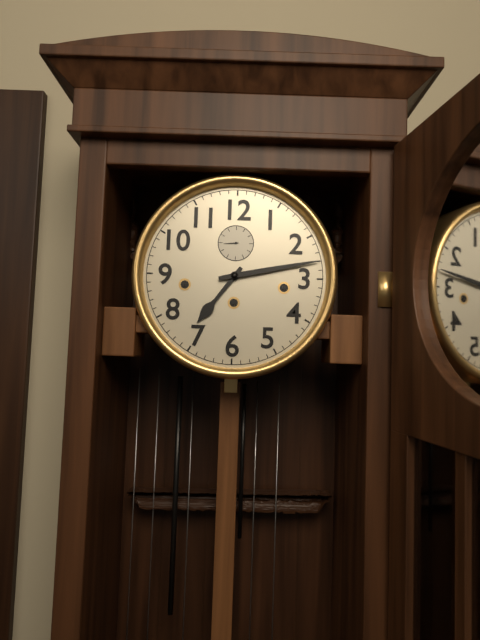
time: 7:13
